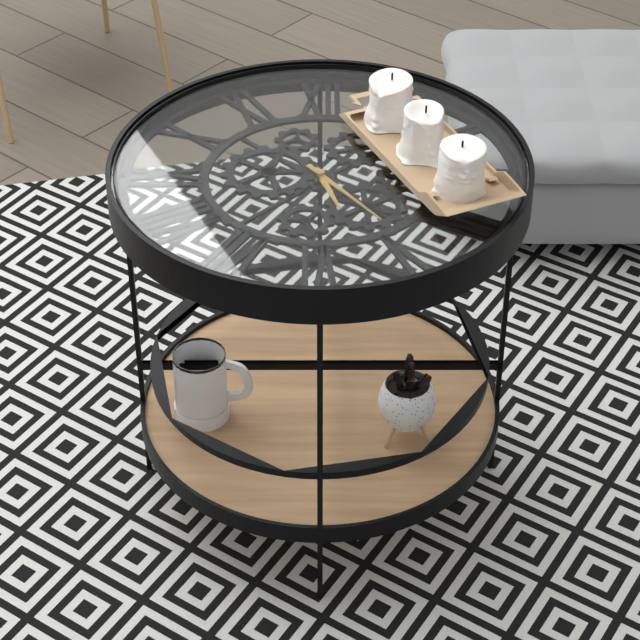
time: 5:24
